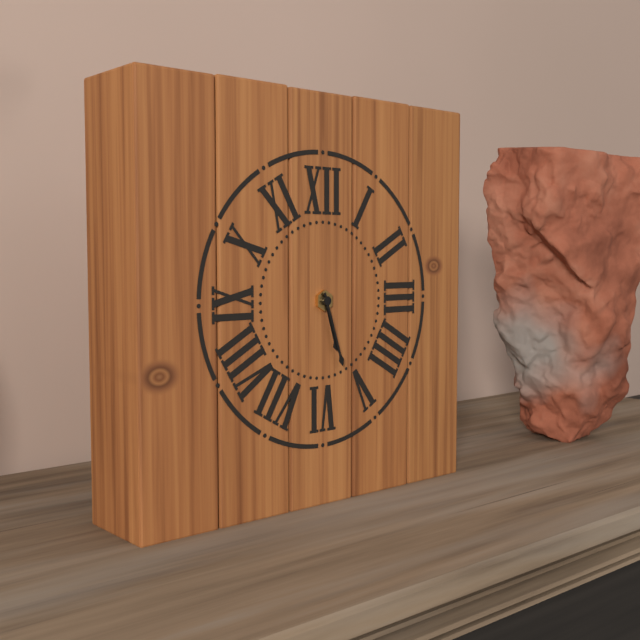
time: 5:27
